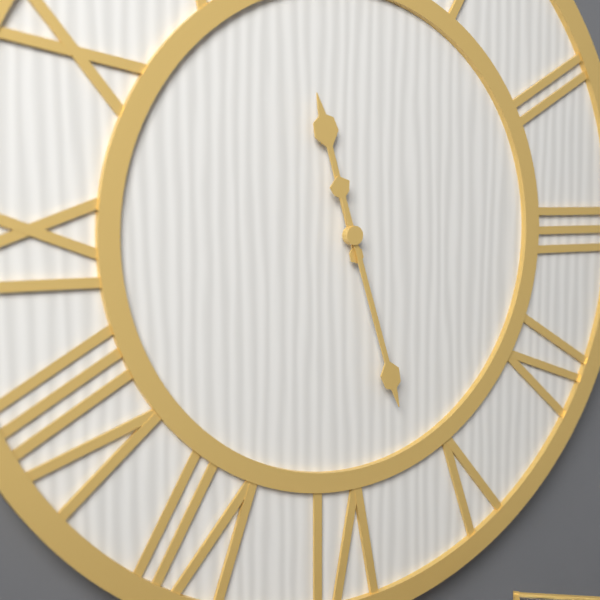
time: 11:27
